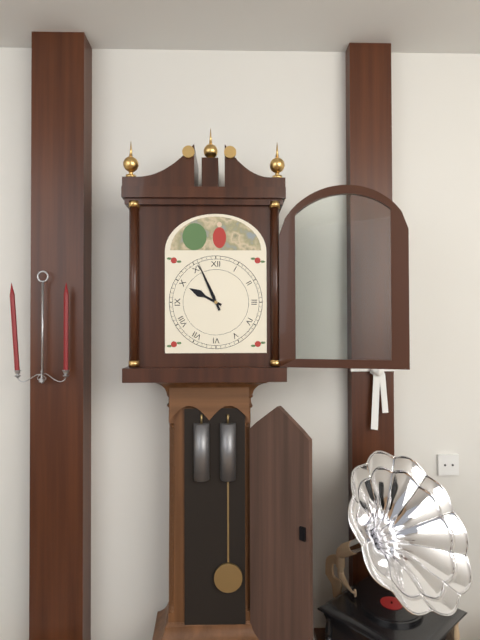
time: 9:56
